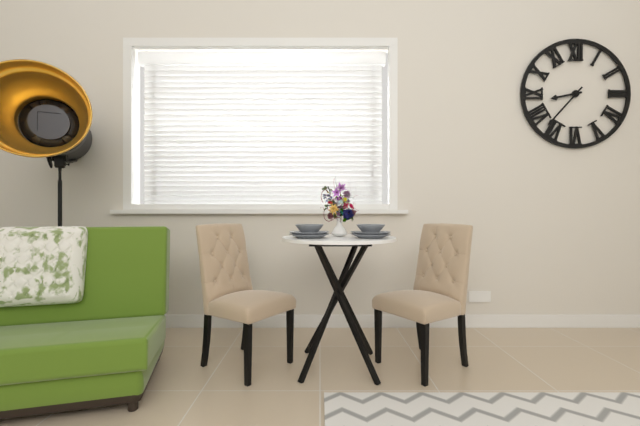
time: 8:37
